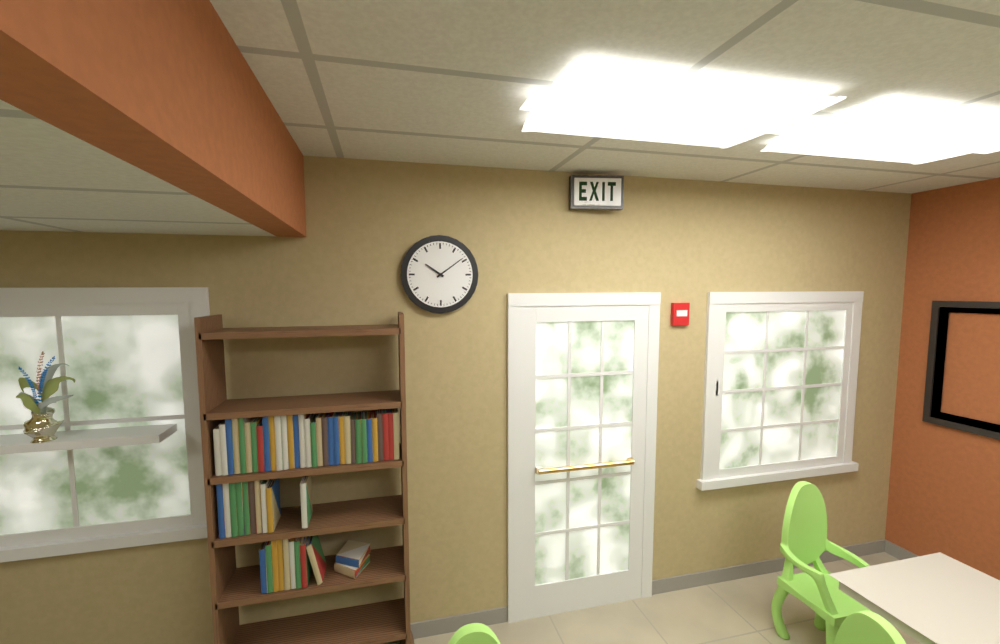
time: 10:09
